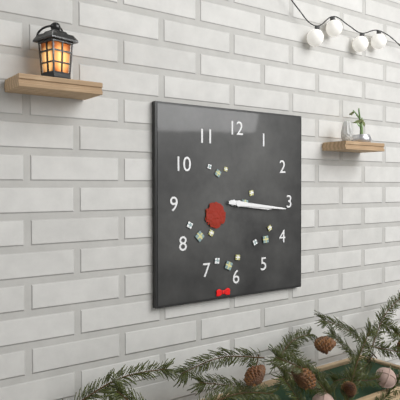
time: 3:16
